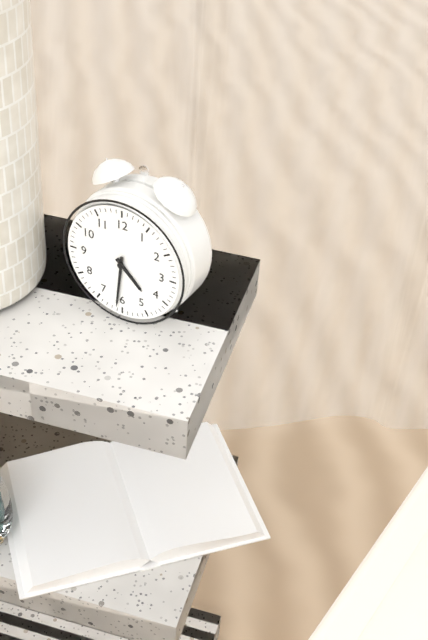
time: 4:31
